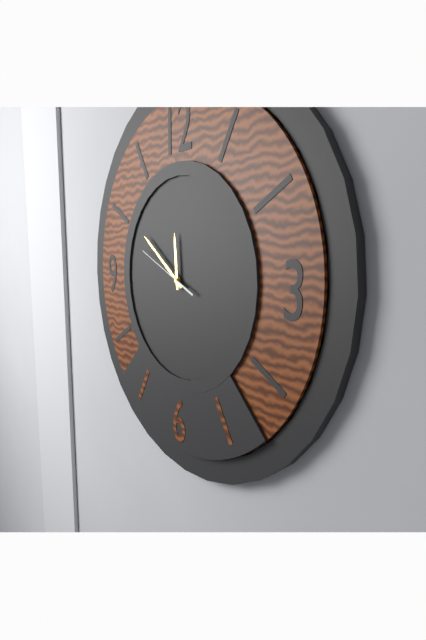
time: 11:51:49
